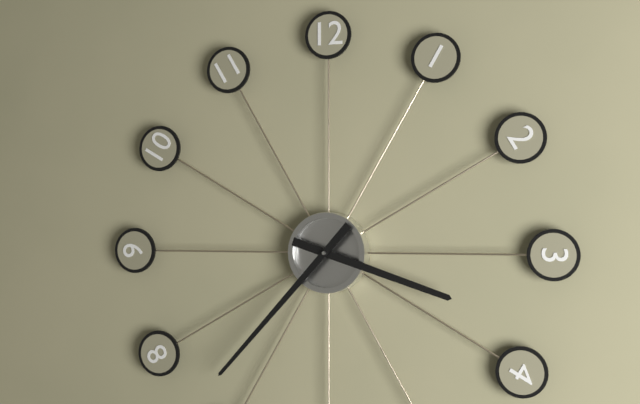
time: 3:37
